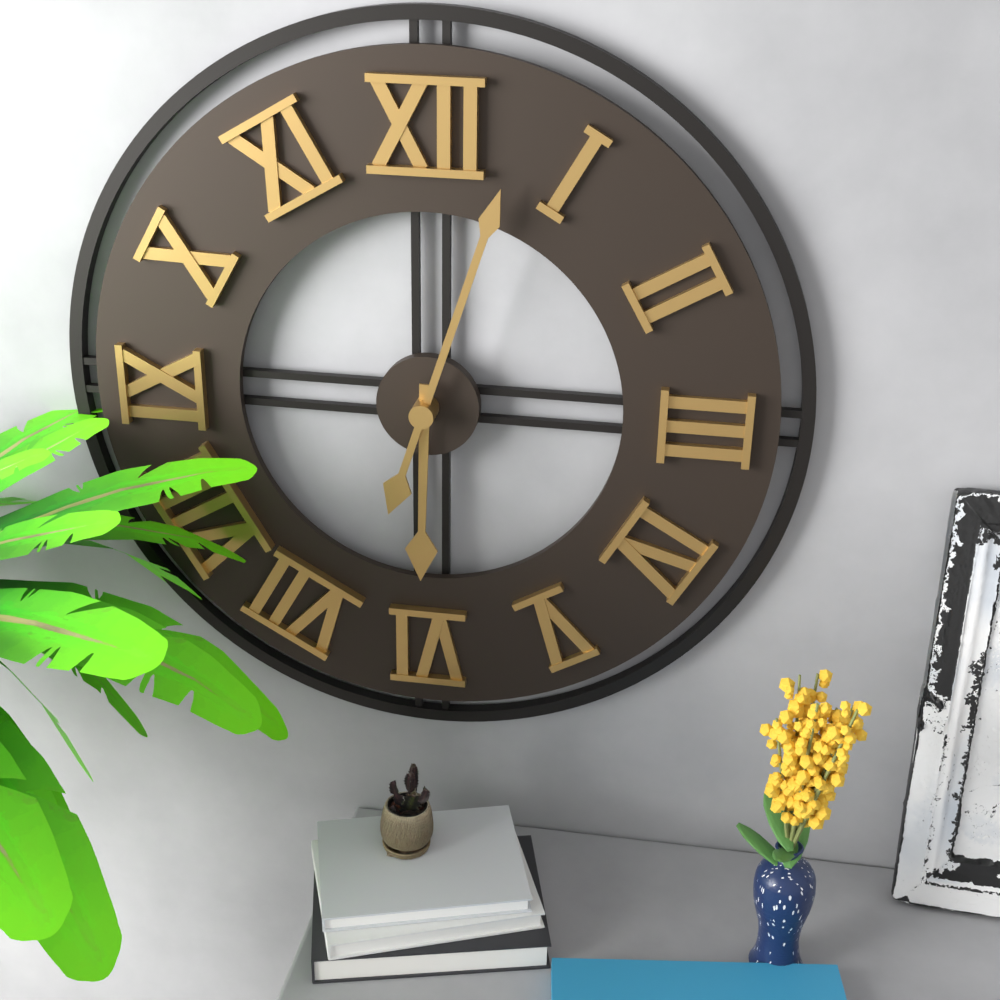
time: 6:03
